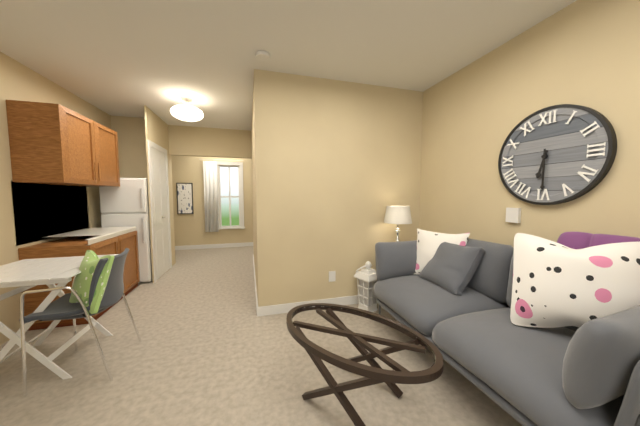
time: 6:30
